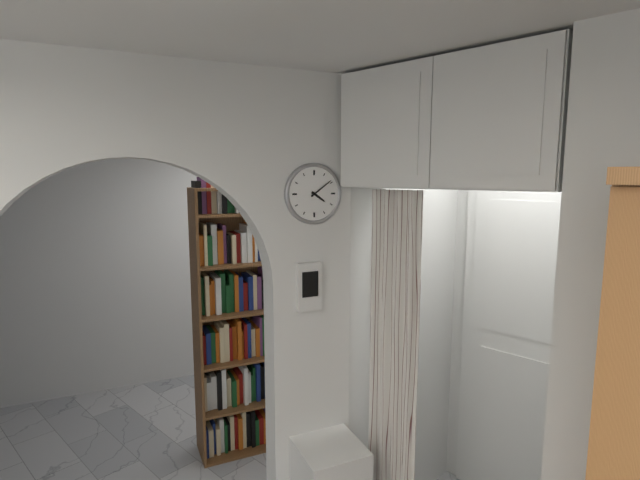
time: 4:09
